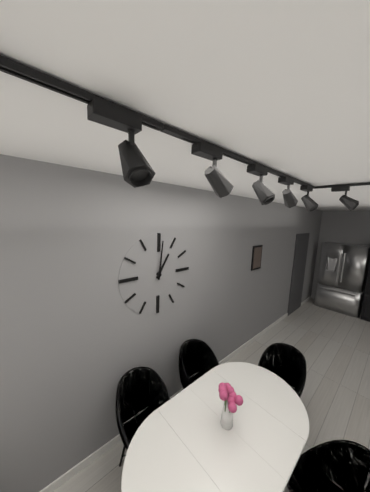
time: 1:01
